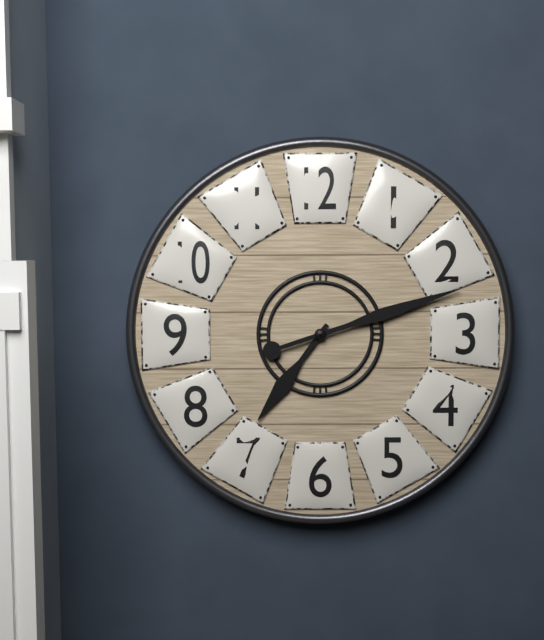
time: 7:12
